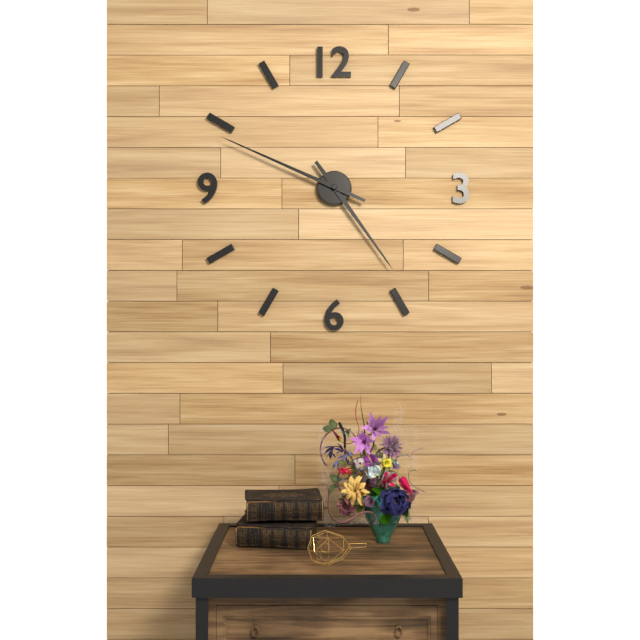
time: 4:49
